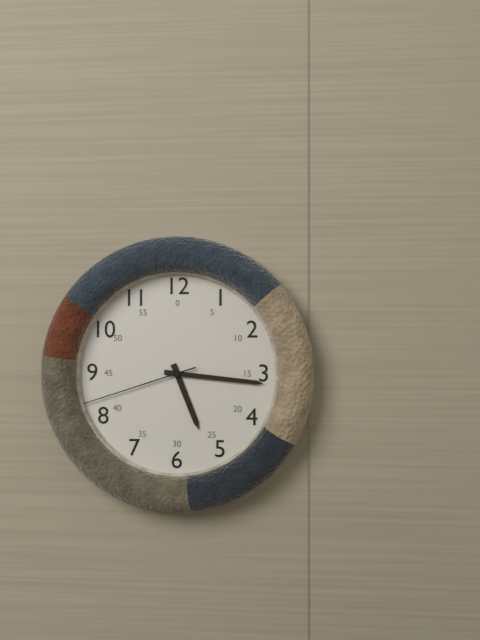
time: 5:16:42
